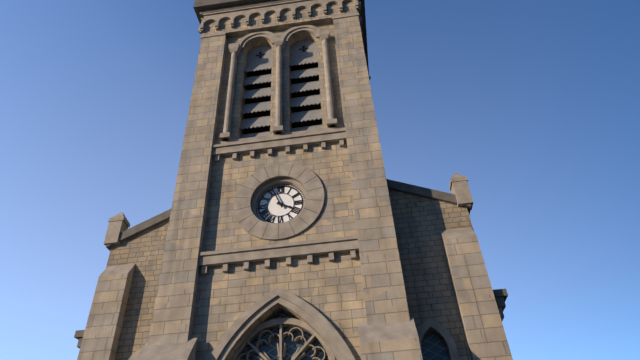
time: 3:56
